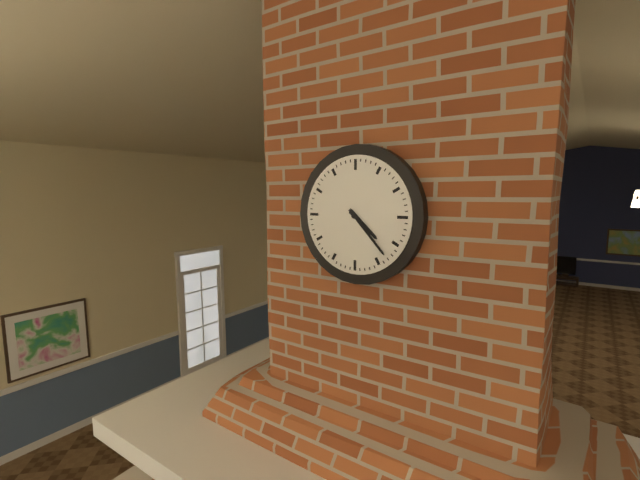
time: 4:23
